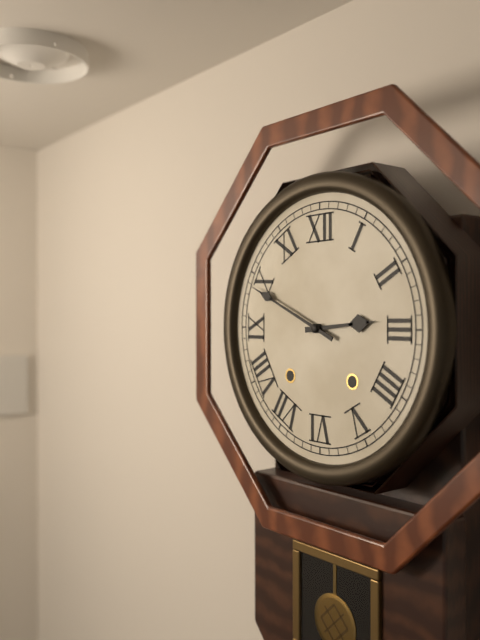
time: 2:49
